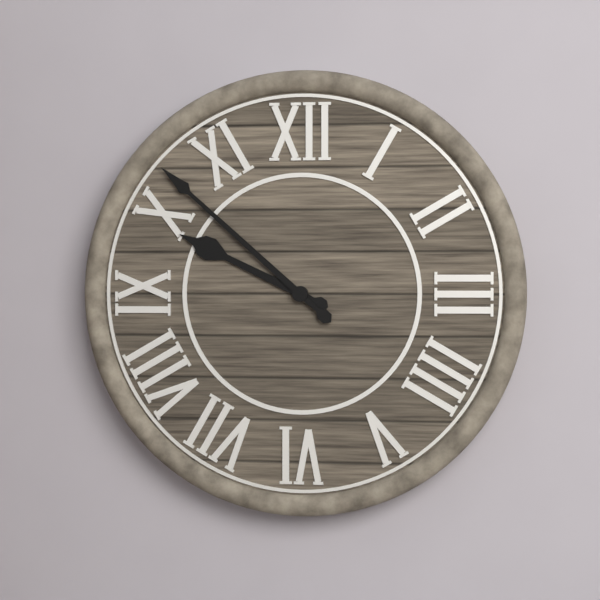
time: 9:52
